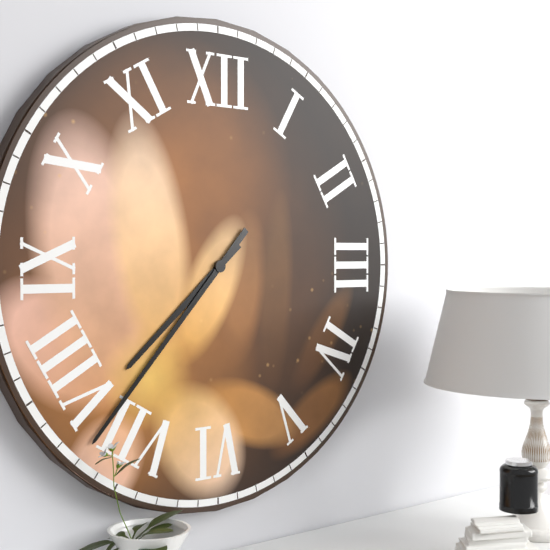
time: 7:37
